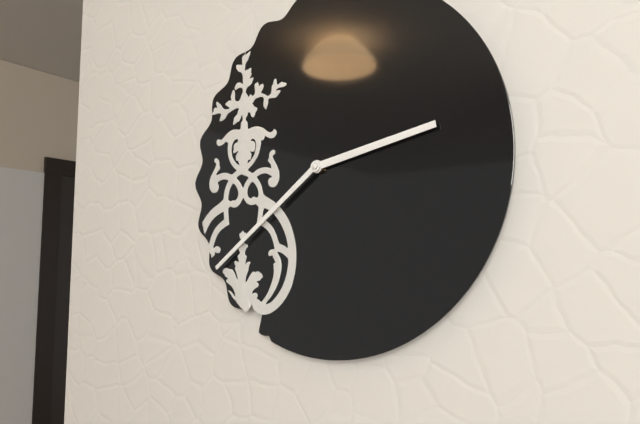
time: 2:39
